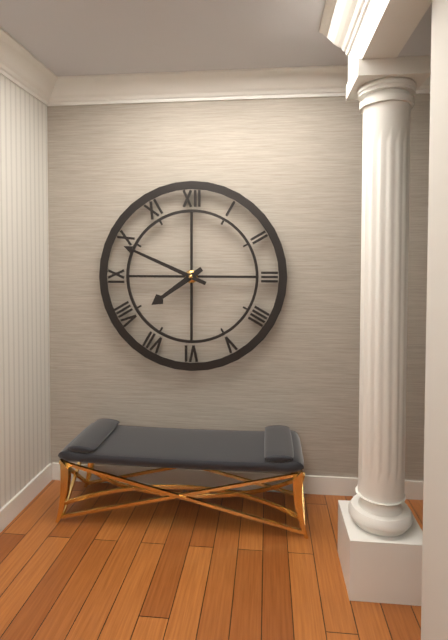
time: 7:49
